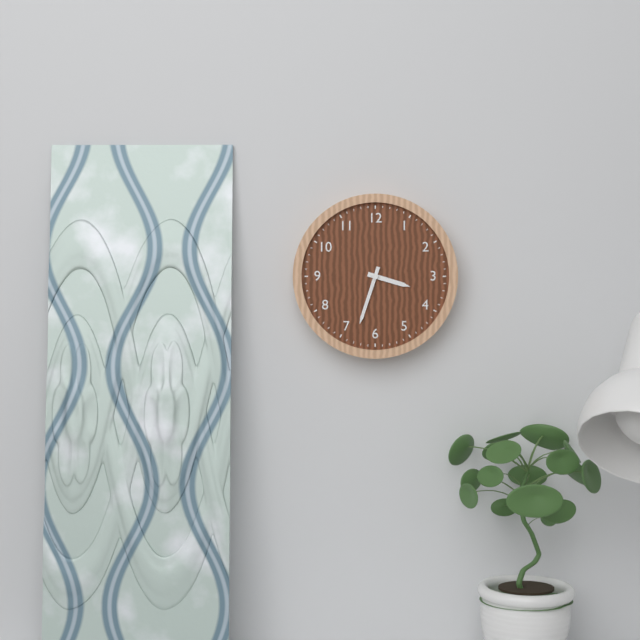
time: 3:33
